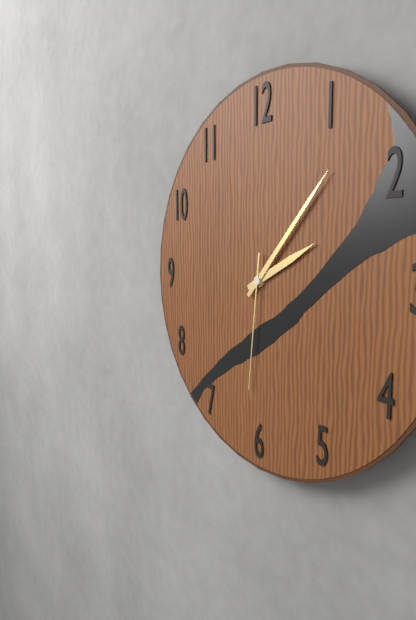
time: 2:07:31
